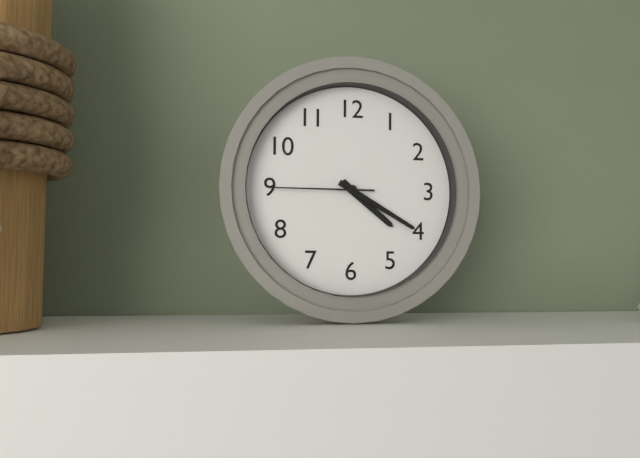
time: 4:20:45
